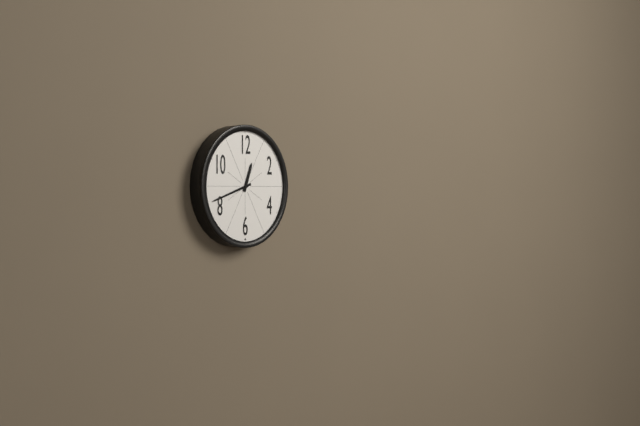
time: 12:42
